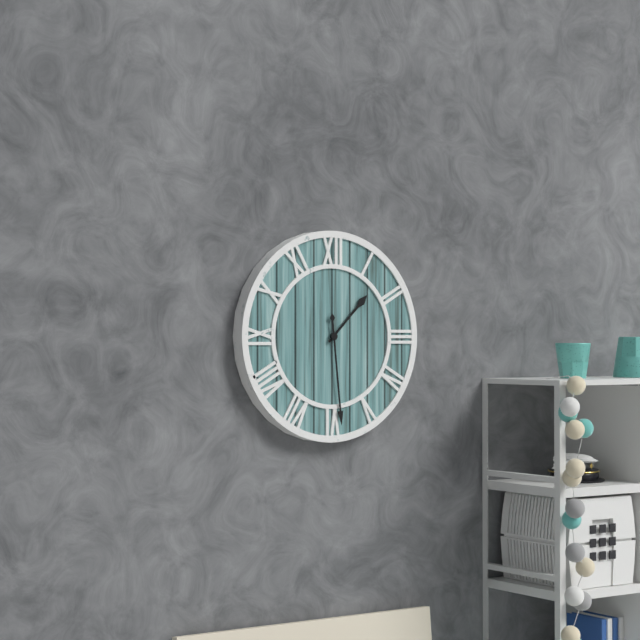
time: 1:29
